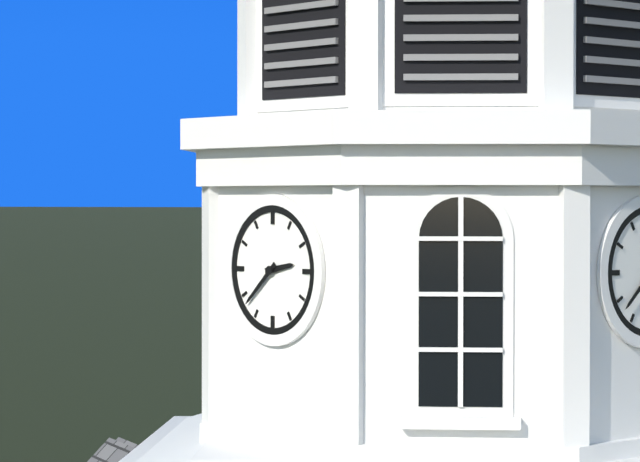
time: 2:38
